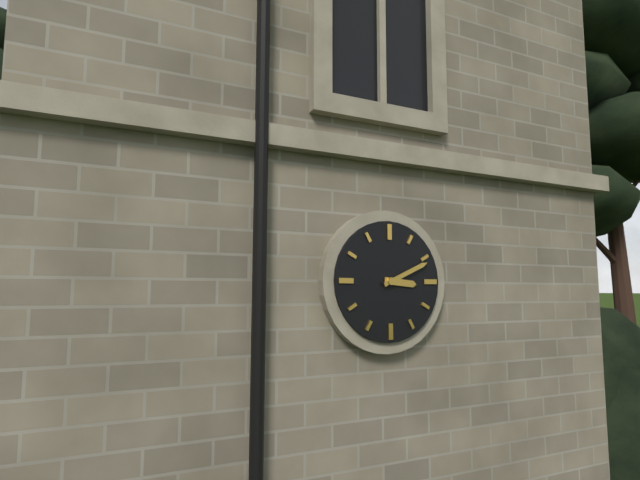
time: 3:11
